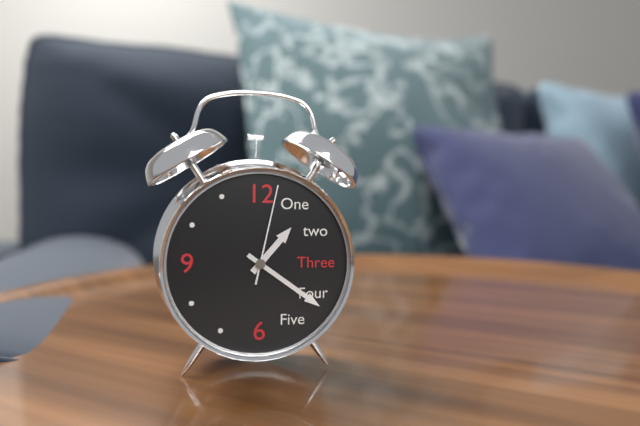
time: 1:21:02
